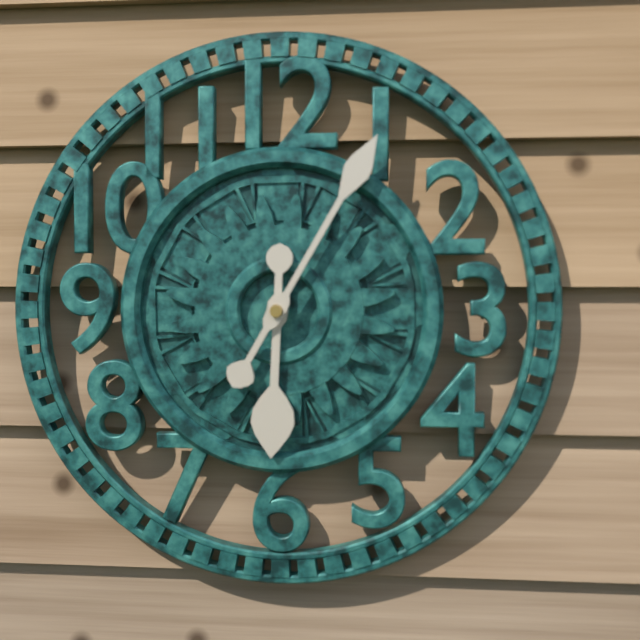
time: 6:05
